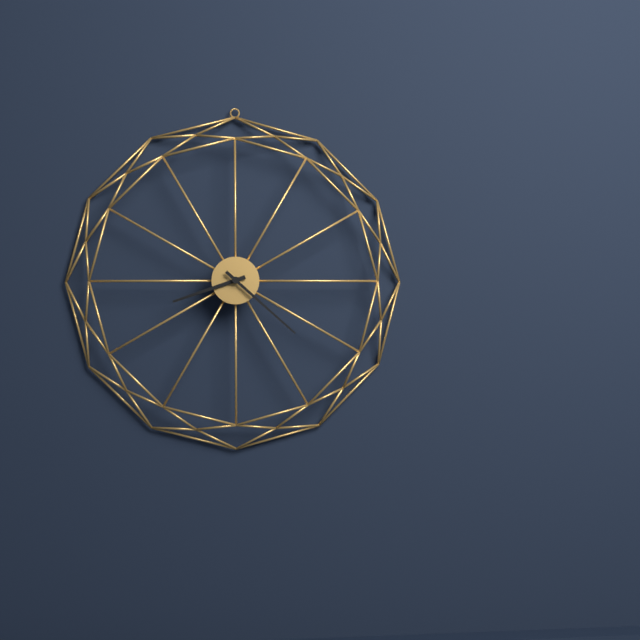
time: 8:22
